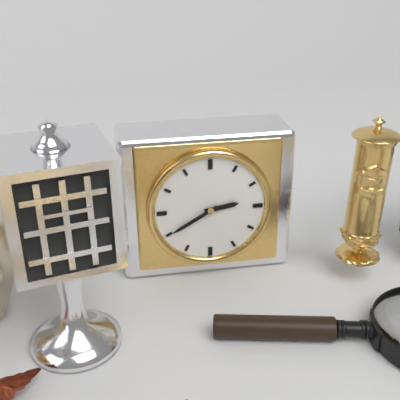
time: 2:40
